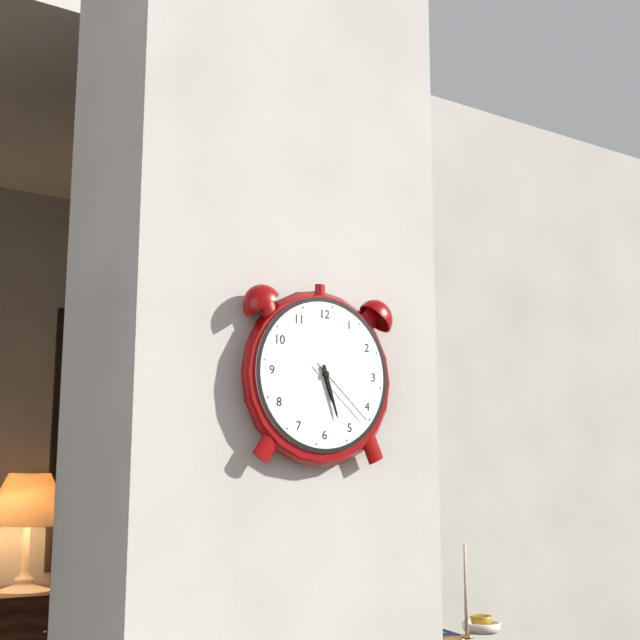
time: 5:27:22
